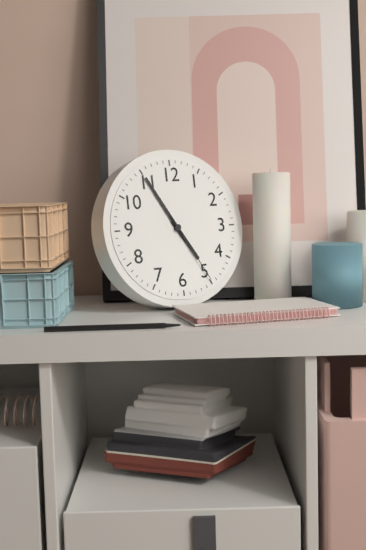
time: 4:55:25
